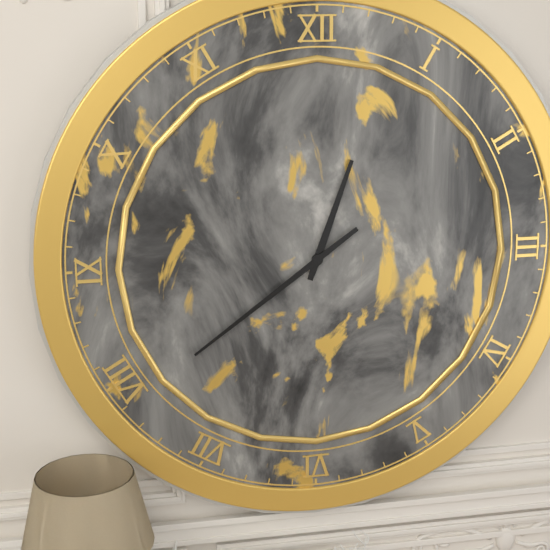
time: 12:39
